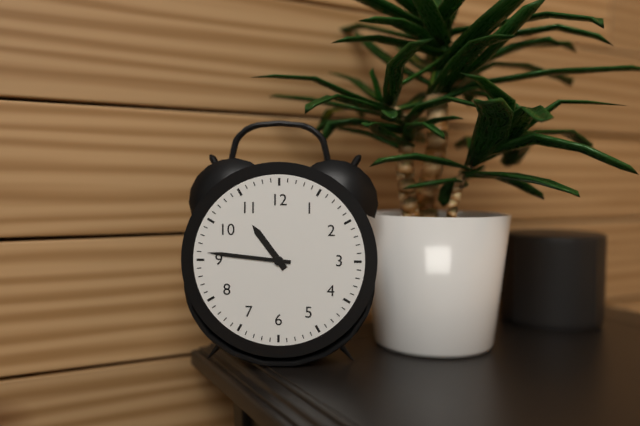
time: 10:46
